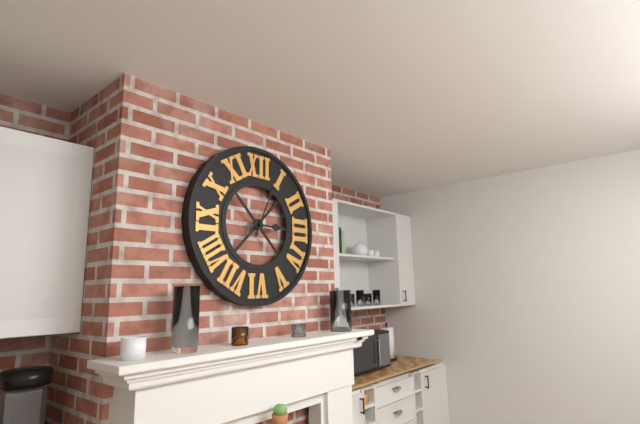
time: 3:04
